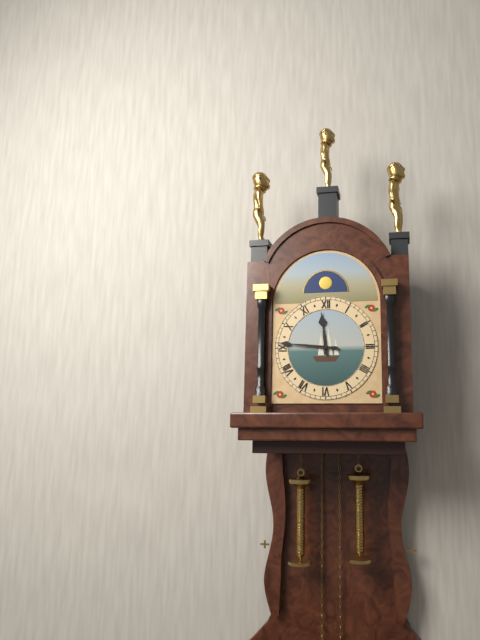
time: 11:46
